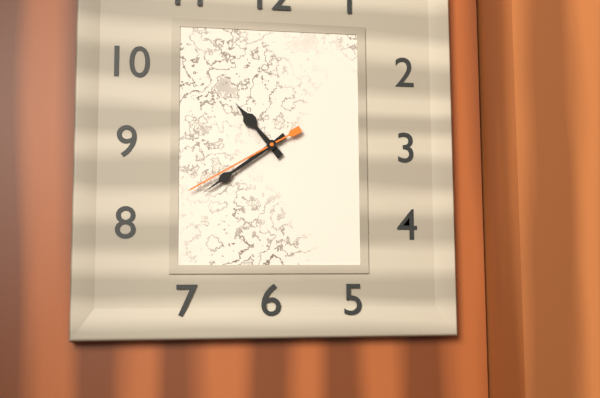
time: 10:39:40
